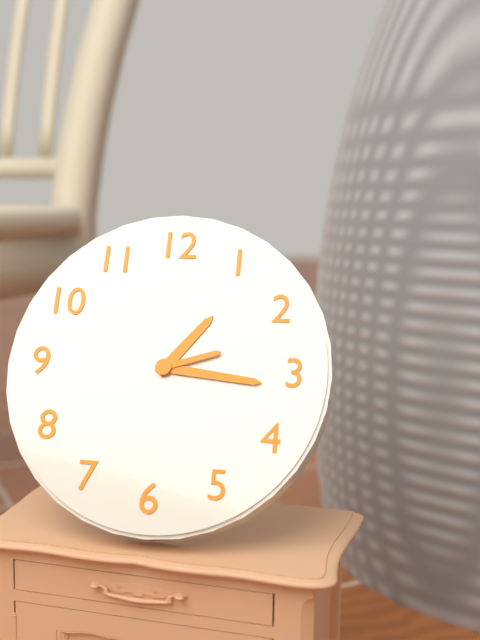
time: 1:16:12
